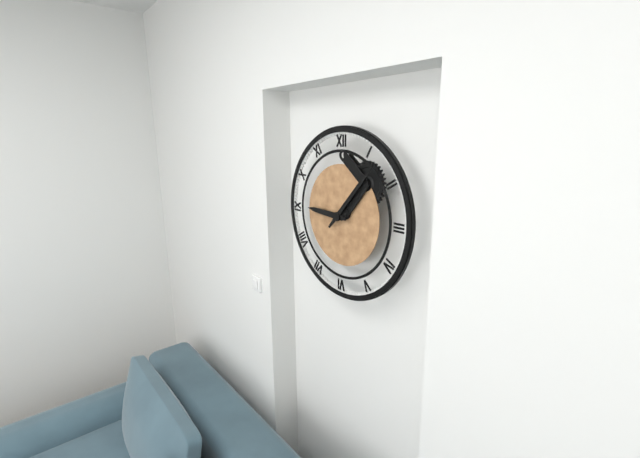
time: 9:07
